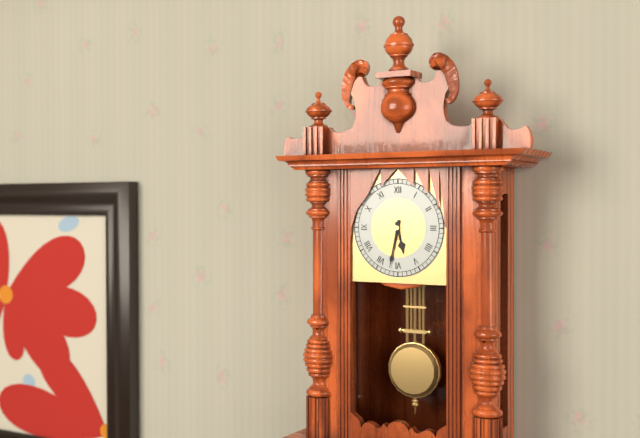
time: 5:32
